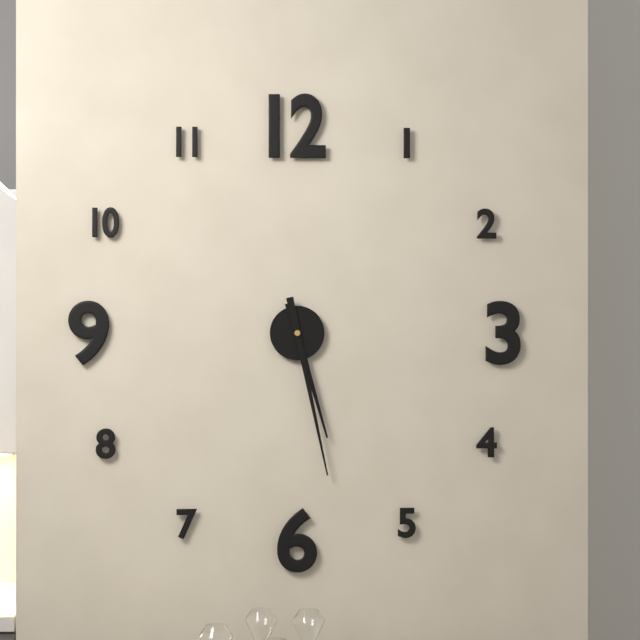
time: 5:28
